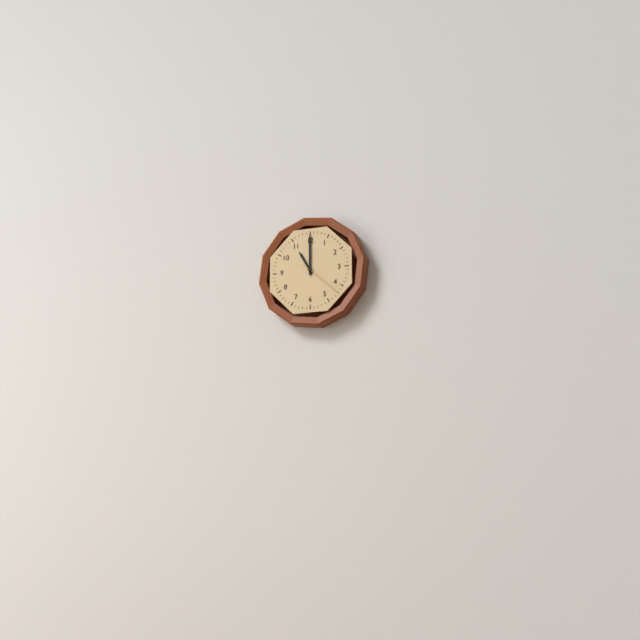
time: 11:00
